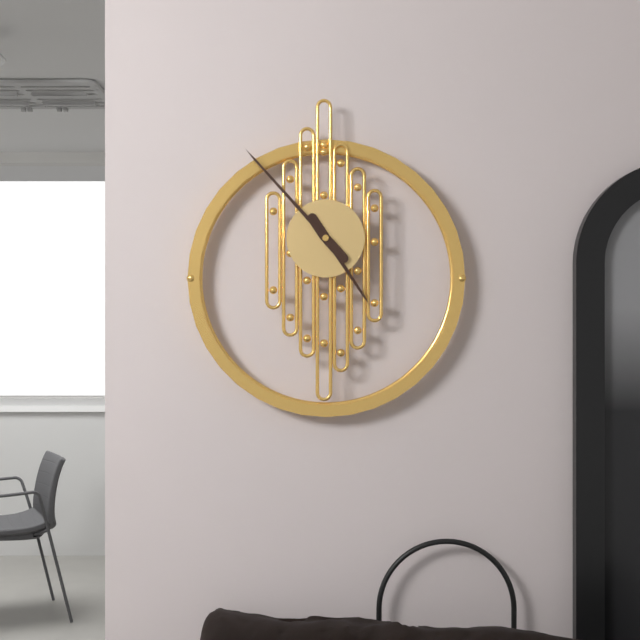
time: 4:53
